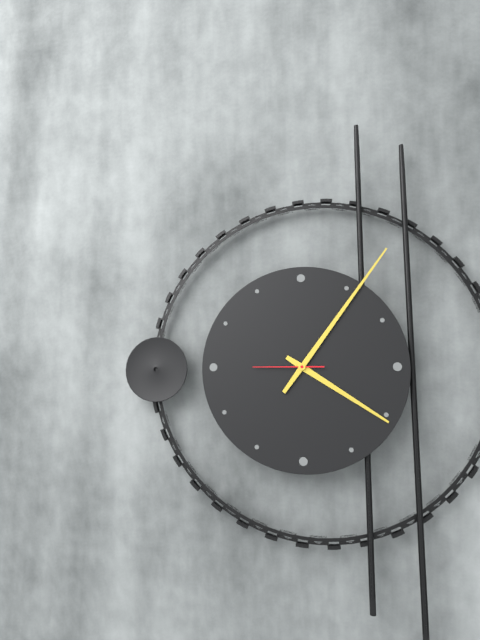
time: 4:06:45
